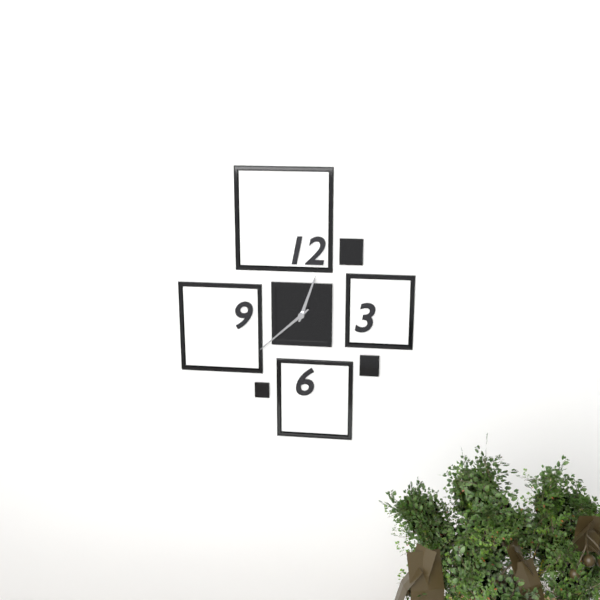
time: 12:38
